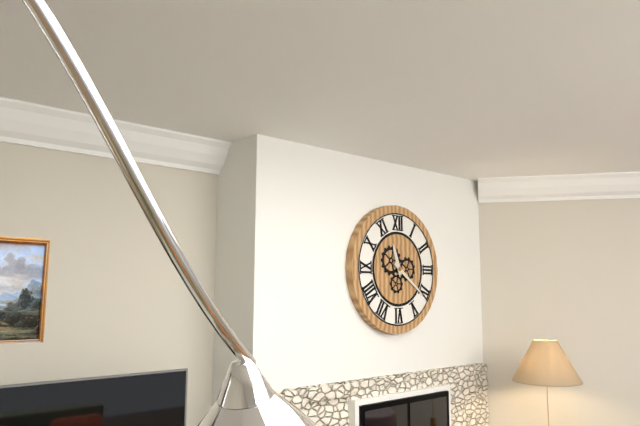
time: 11:21
